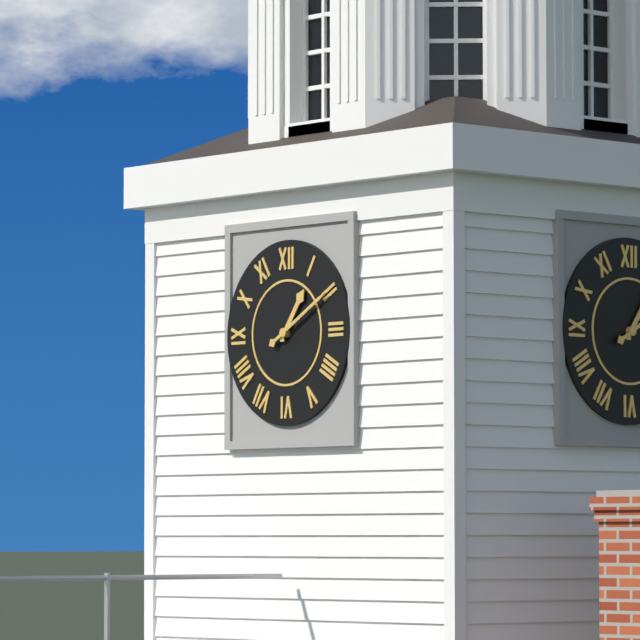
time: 1:10
